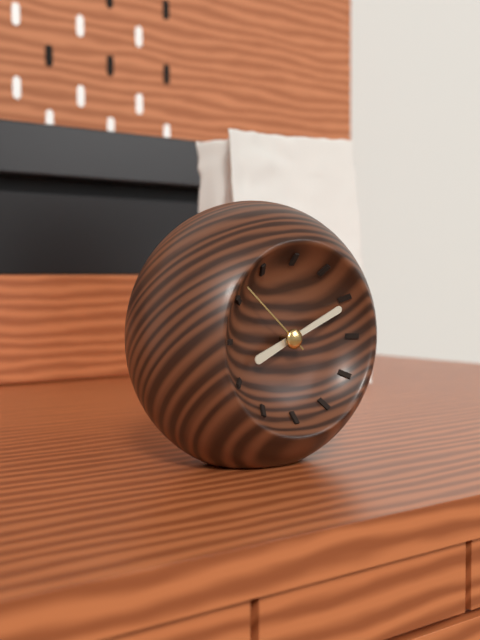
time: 8:11:52
